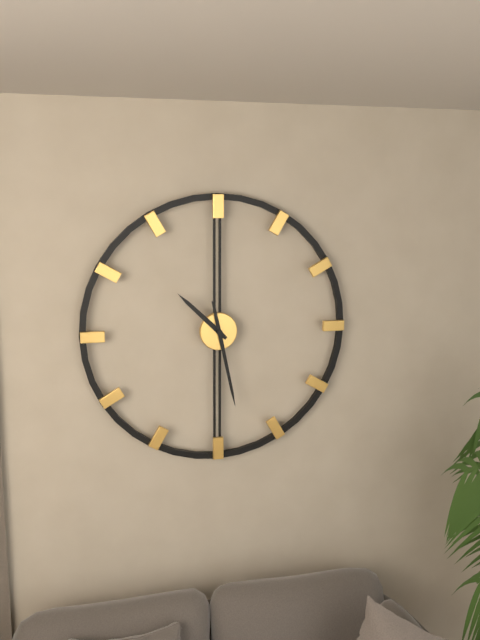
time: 10:28
